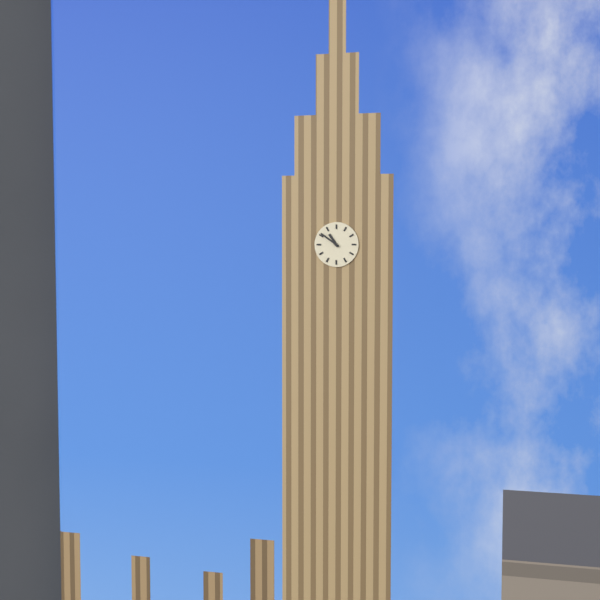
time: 10:51
